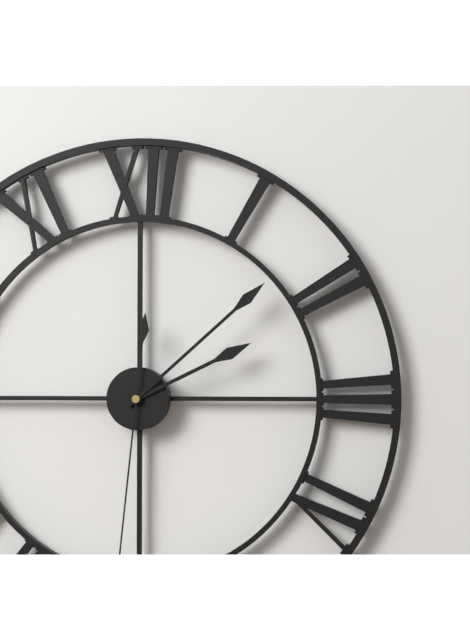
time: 2:08:31
